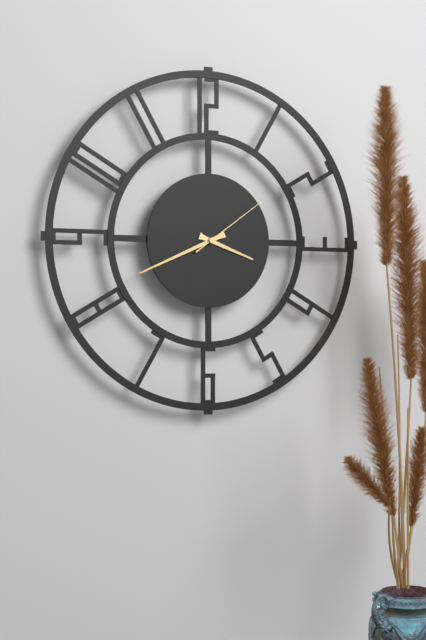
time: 3:41:09
